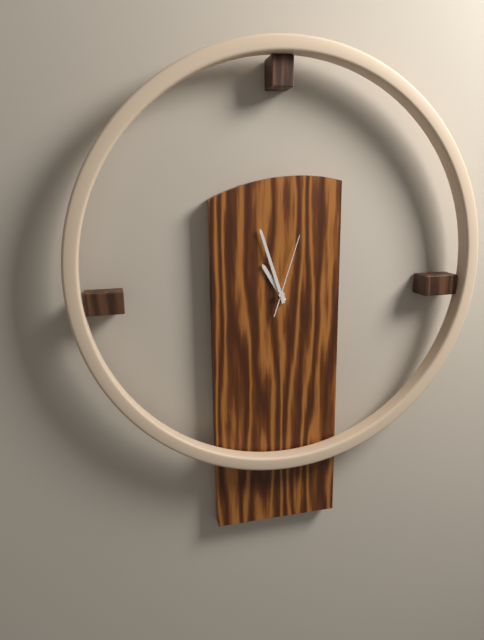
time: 10:57:03
